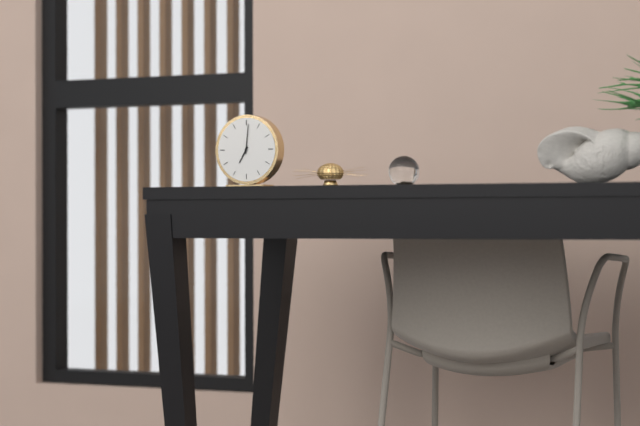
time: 7:01
